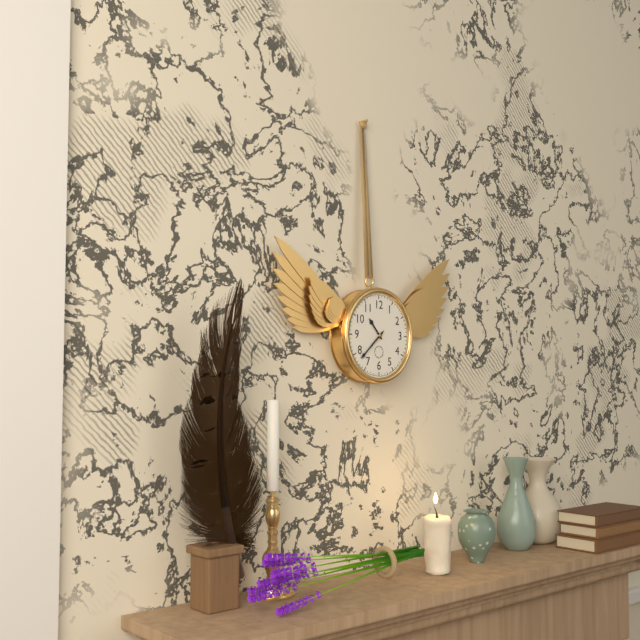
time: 10:38
